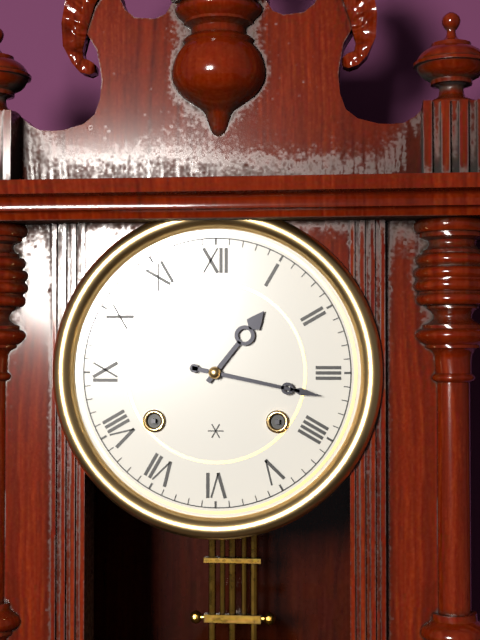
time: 1:17
